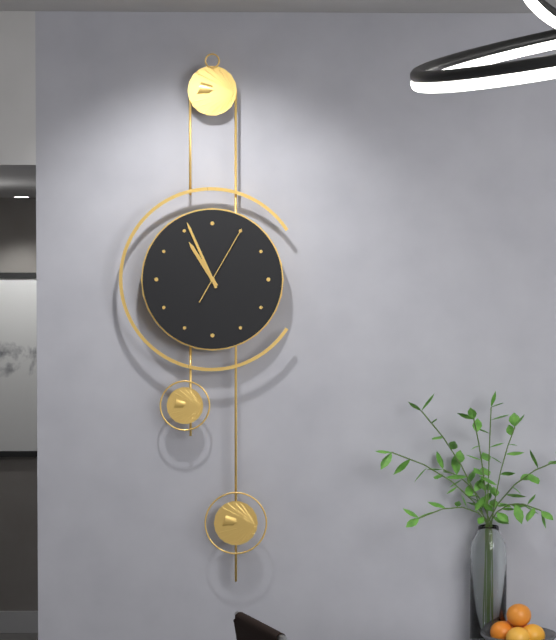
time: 10:56:05
